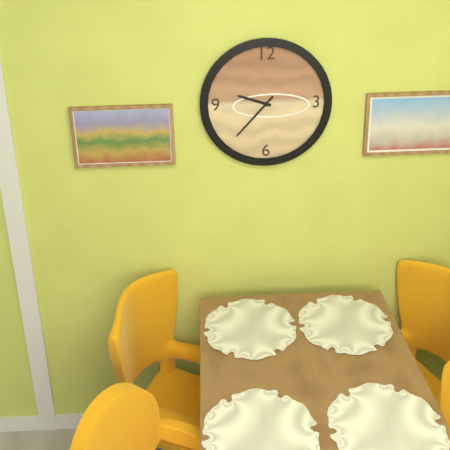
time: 9:37
